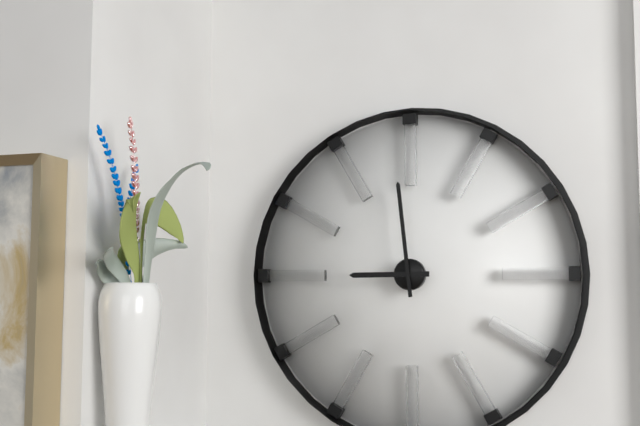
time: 8:59
